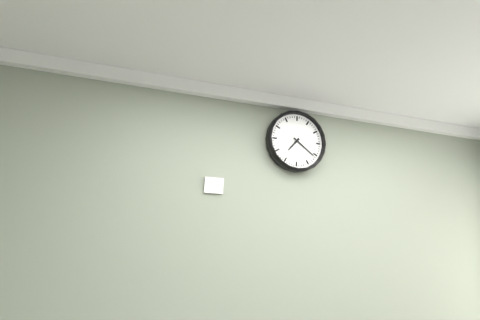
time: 7:21
